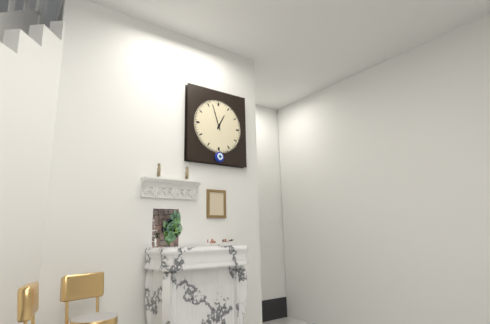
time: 12:57
